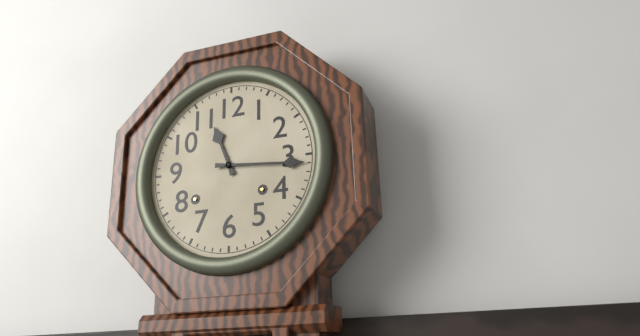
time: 11:16
